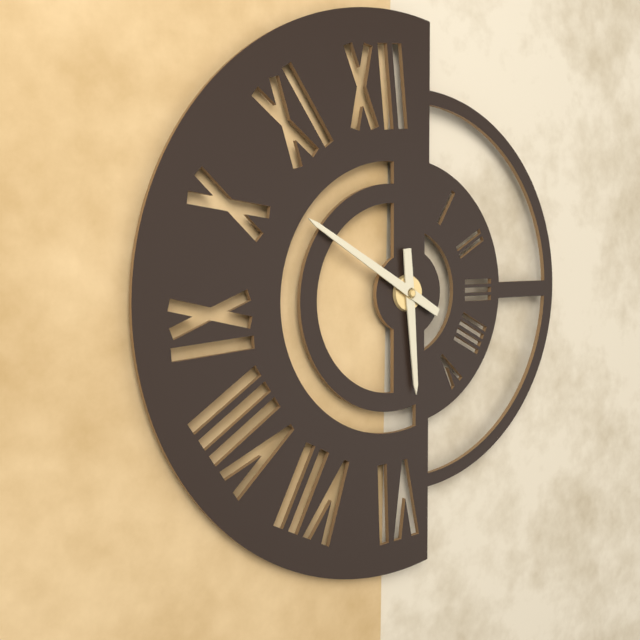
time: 5:50
